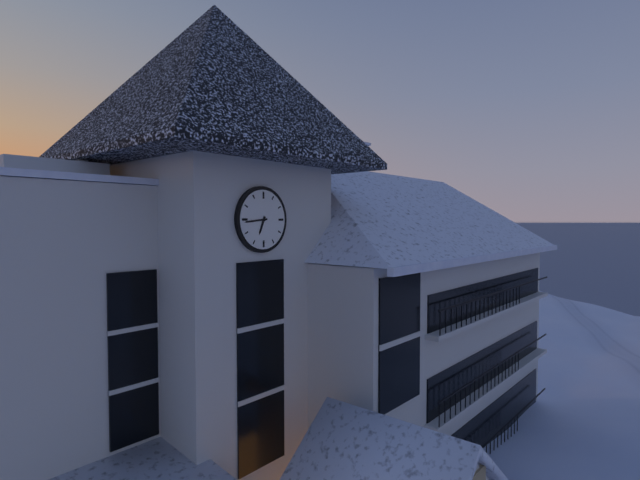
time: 6:44
